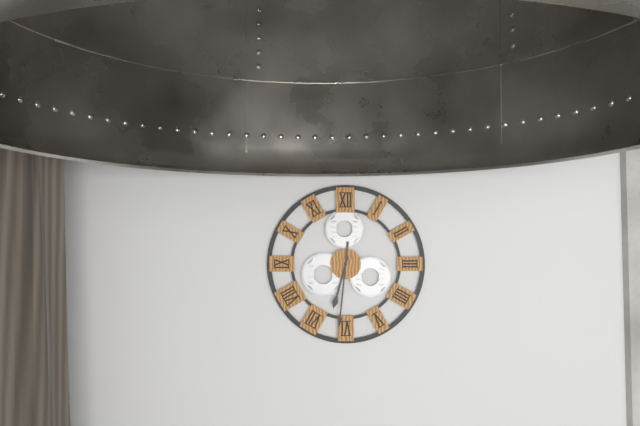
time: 6:31
